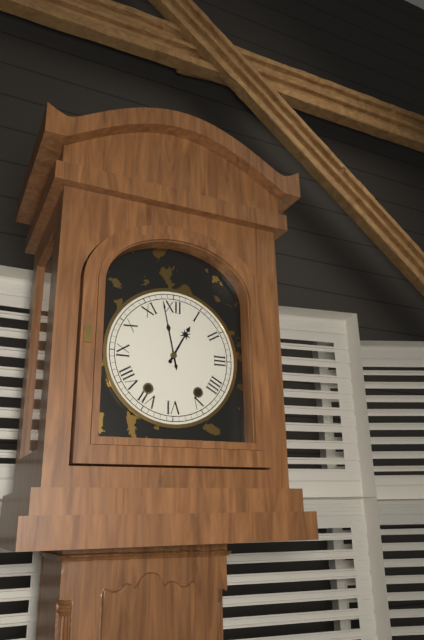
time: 12:58
